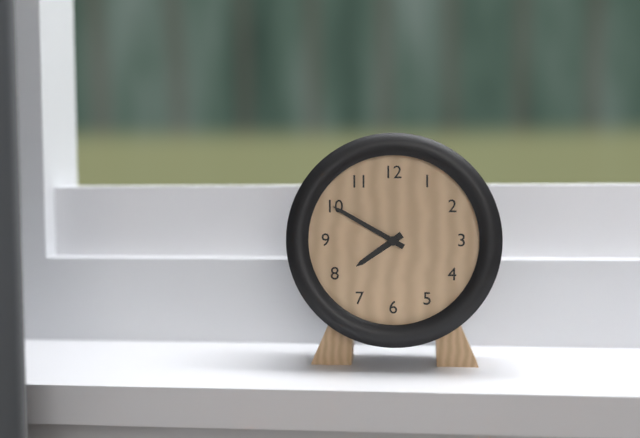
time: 7:50
